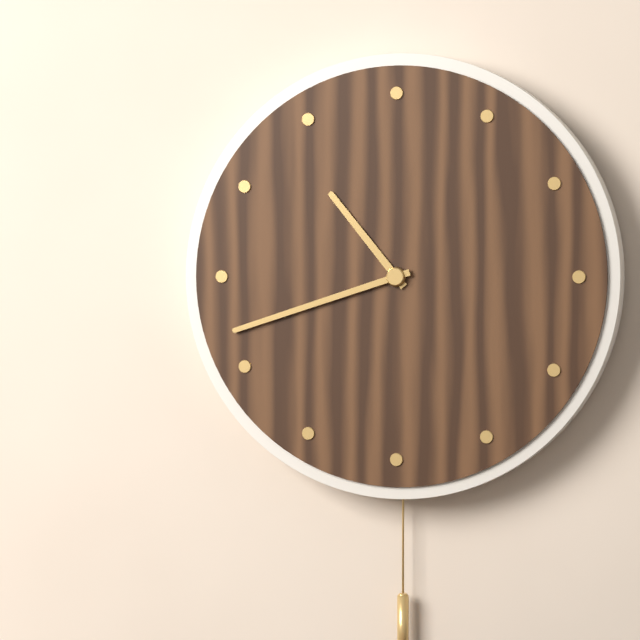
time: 10:42
